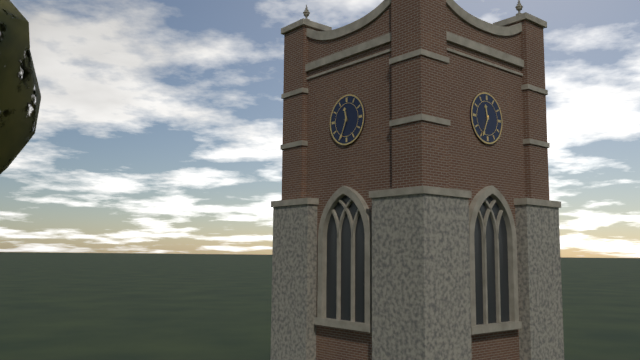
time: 11:34
